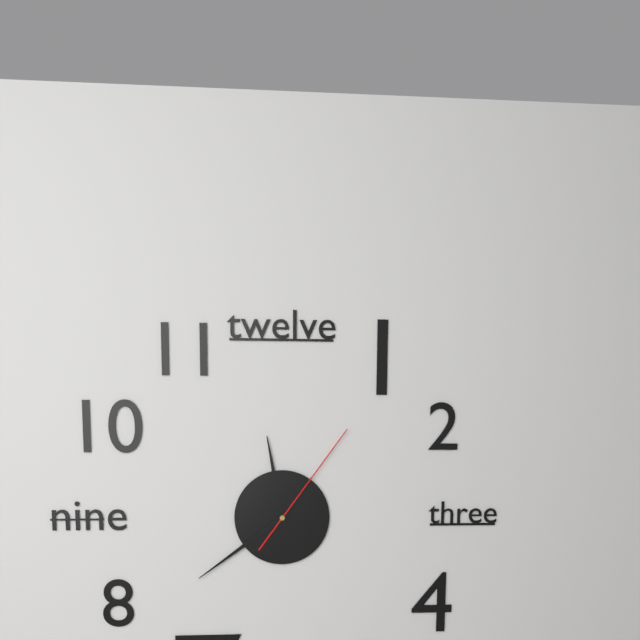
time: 11:39:06
